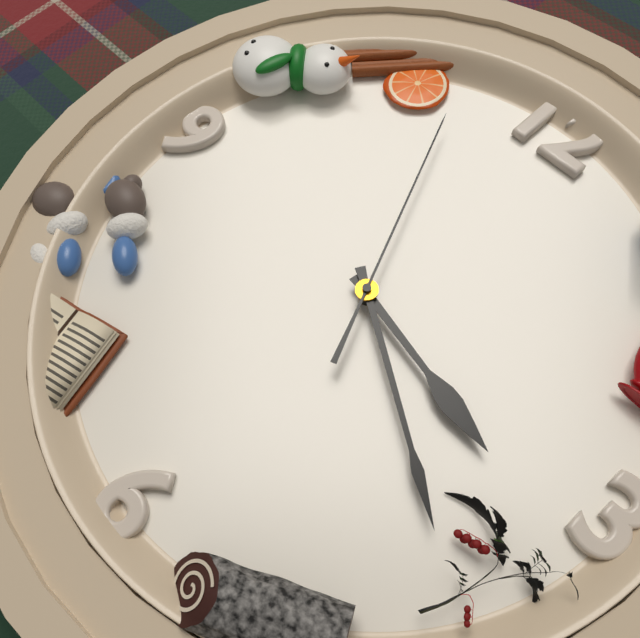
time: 3:20:56
